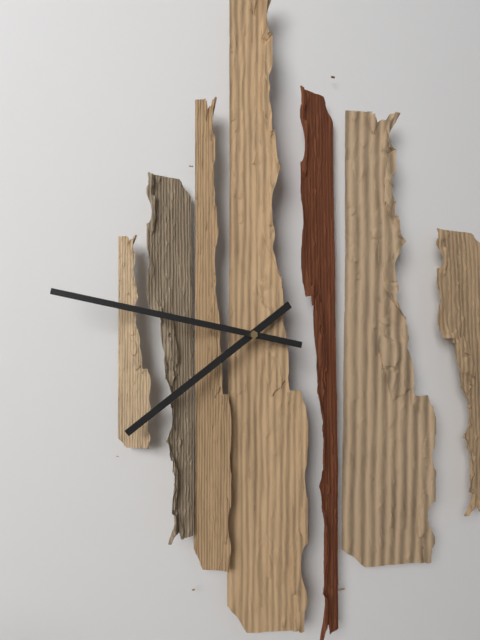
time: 7:47
